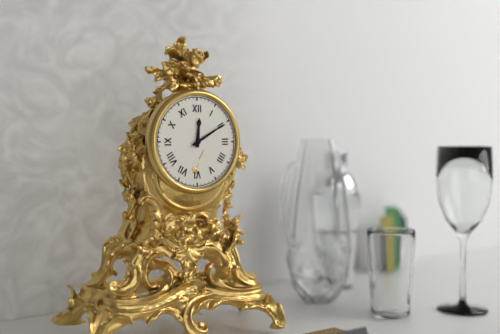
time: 12:10
